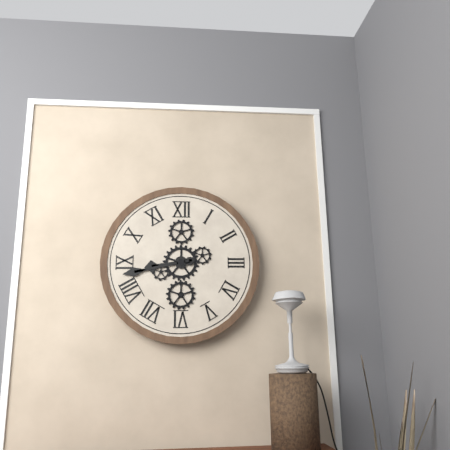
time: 8:43
